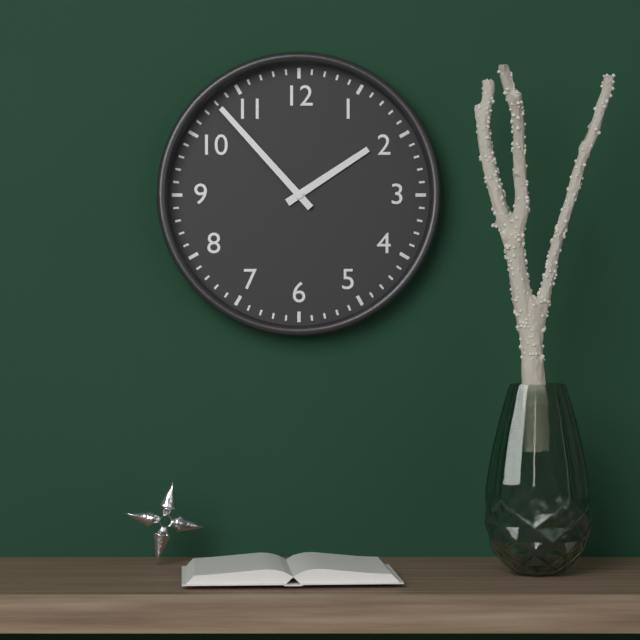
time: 1:53
